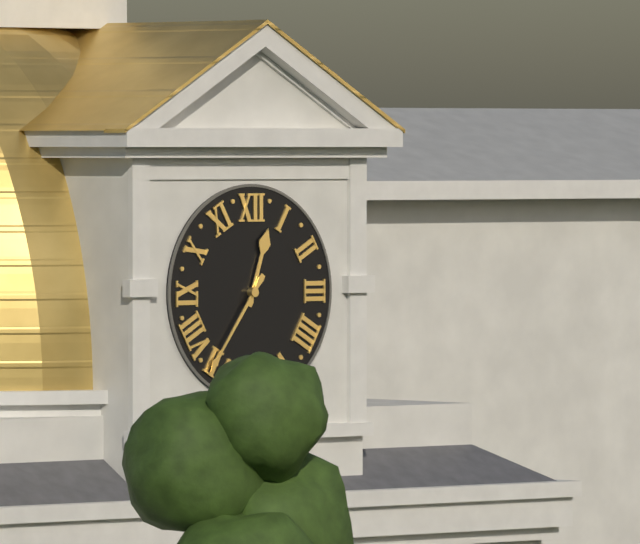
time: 12:36
